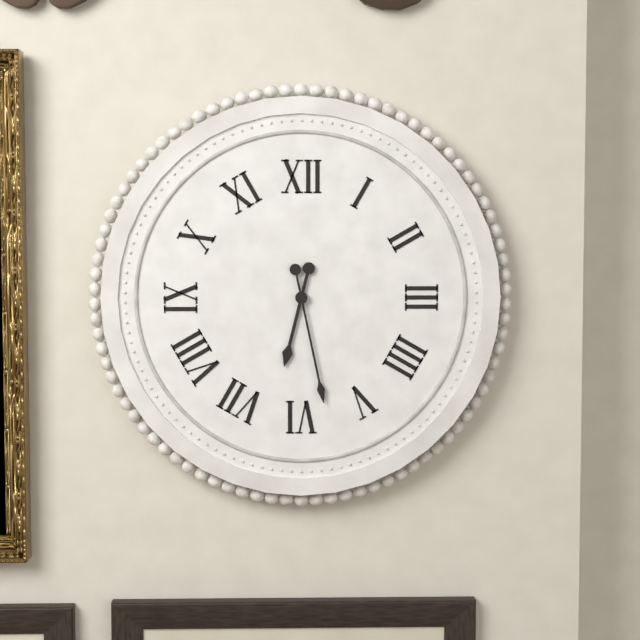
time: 6:28
